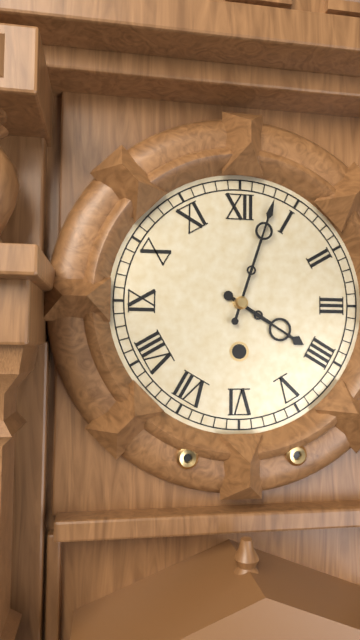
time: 4:03
